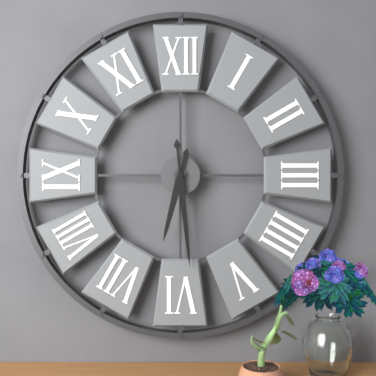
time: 6:29
